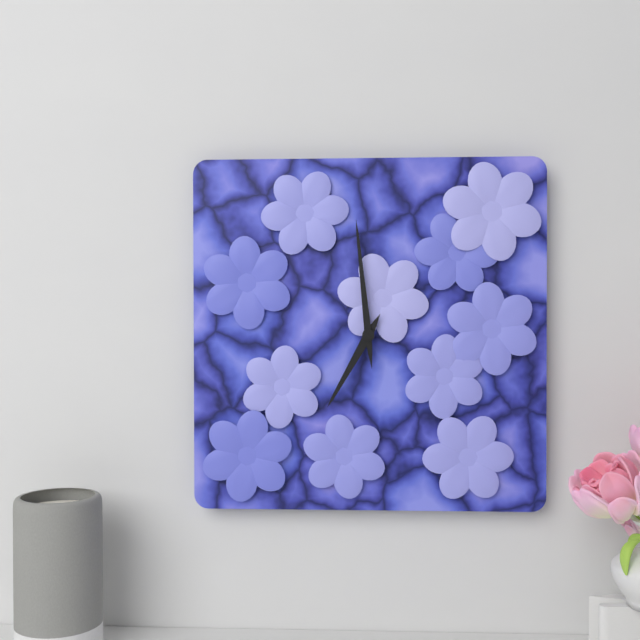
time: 6:59
